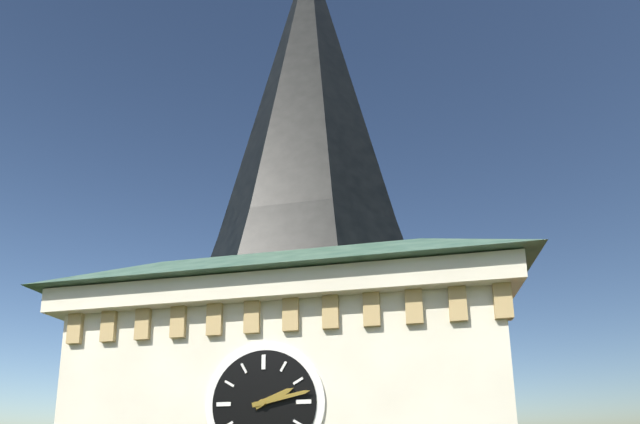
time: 2:13
